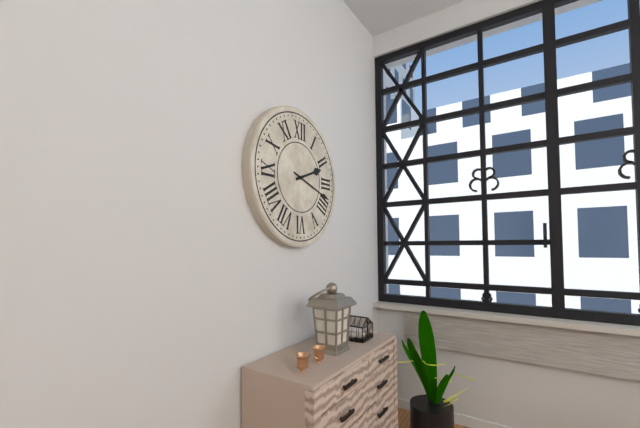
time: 2:18
